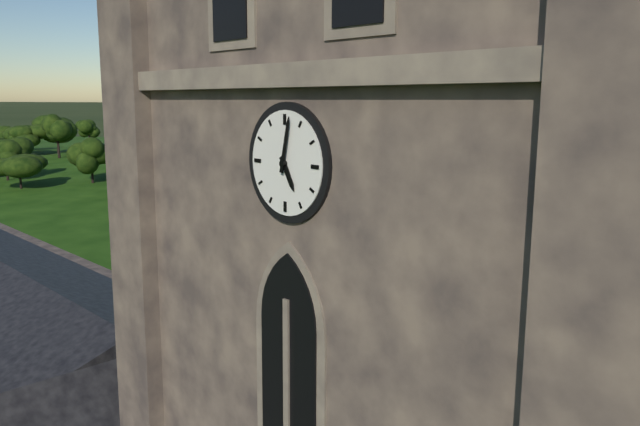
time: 5:02
